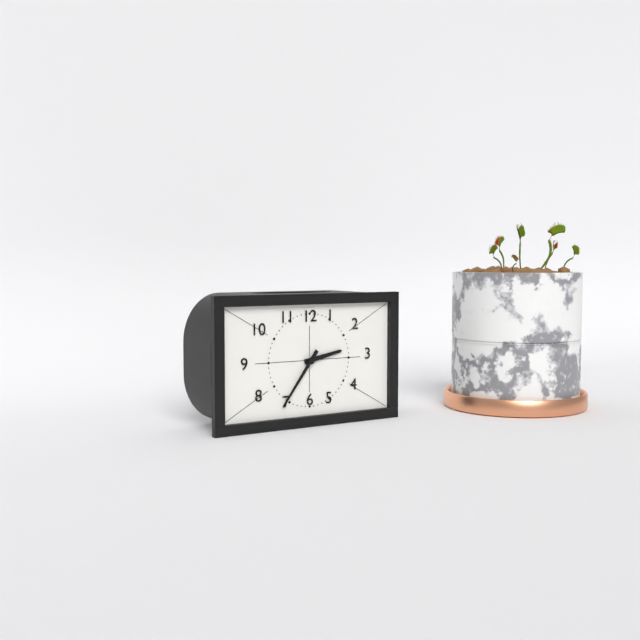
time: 2:36
